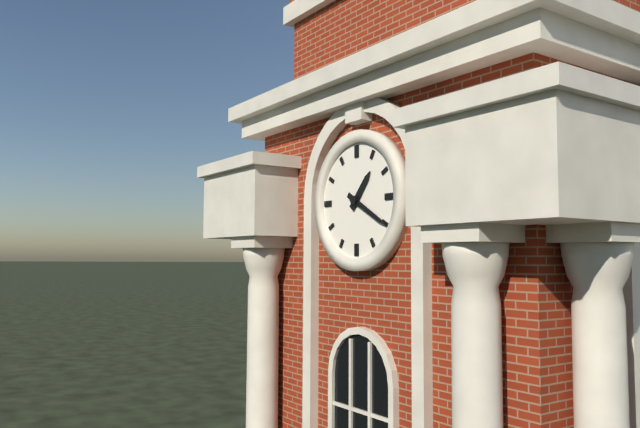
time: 1:20
